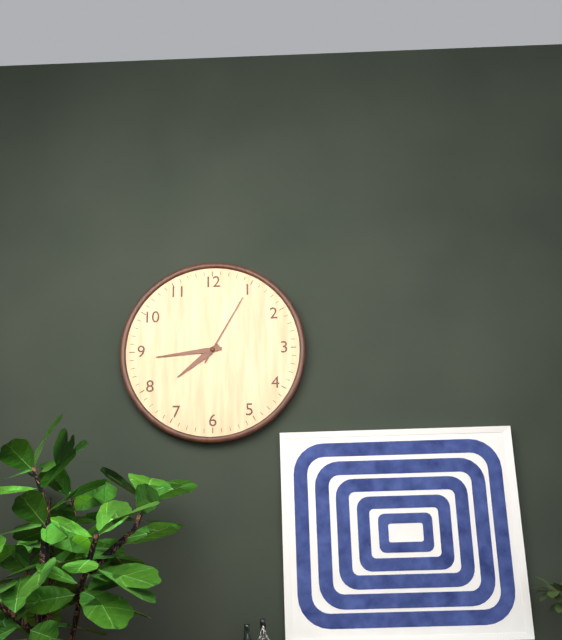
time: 7:44:05
